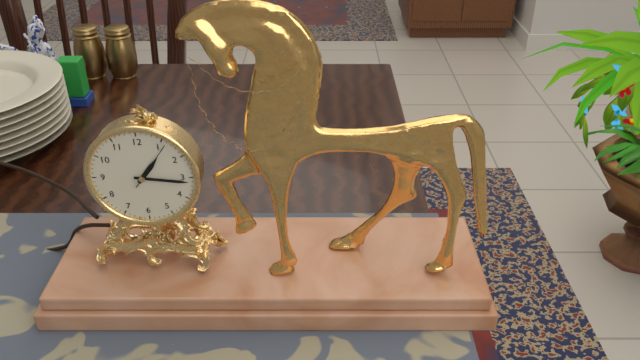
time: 1:16:06
